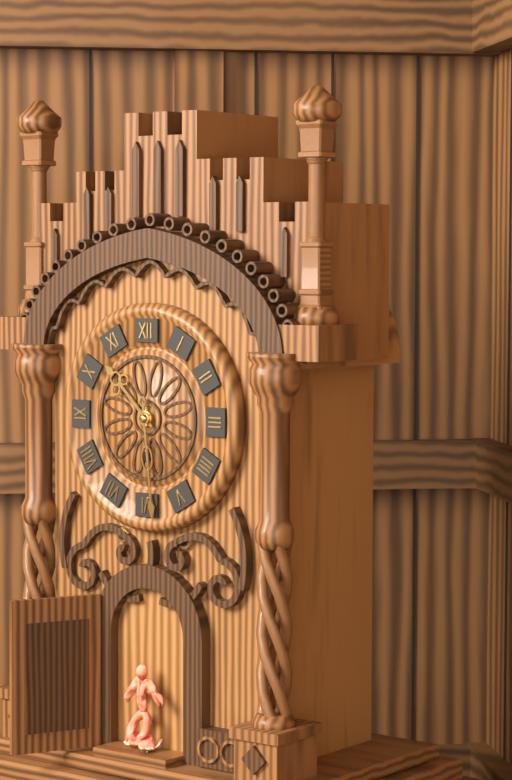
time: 10:29
